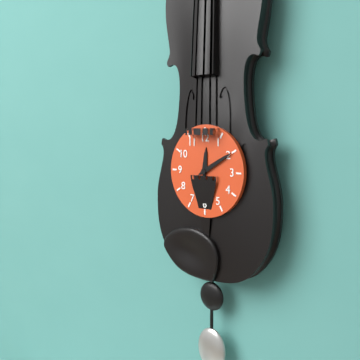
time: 12:10
